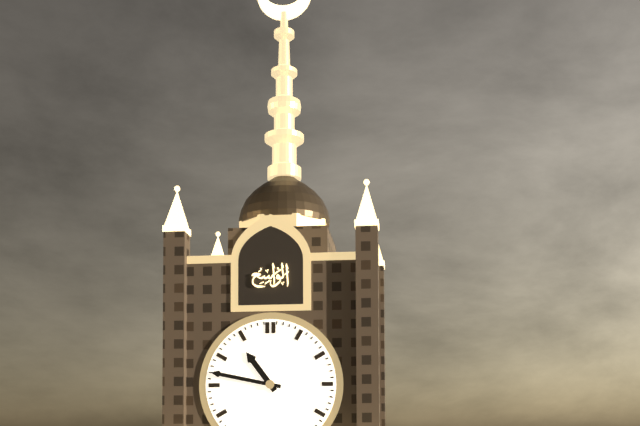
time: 10:47
